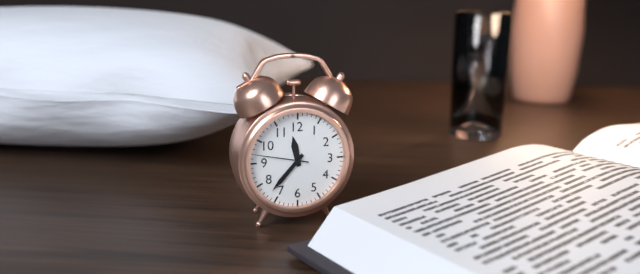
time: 11:37:47
